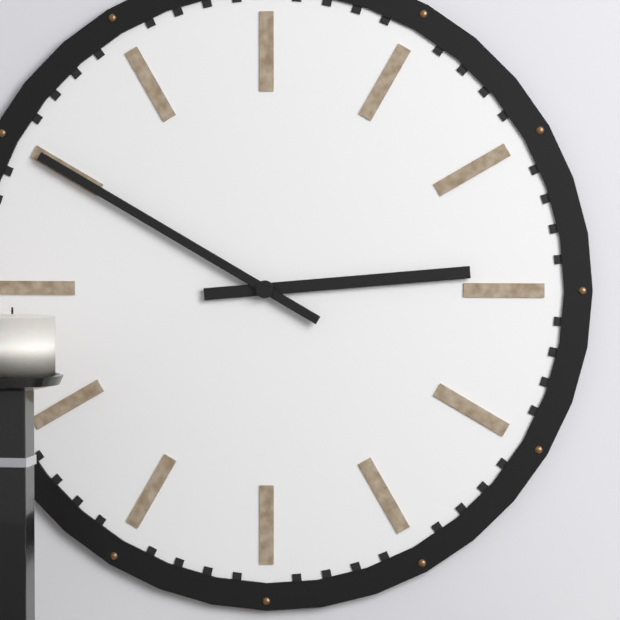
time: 2:50
